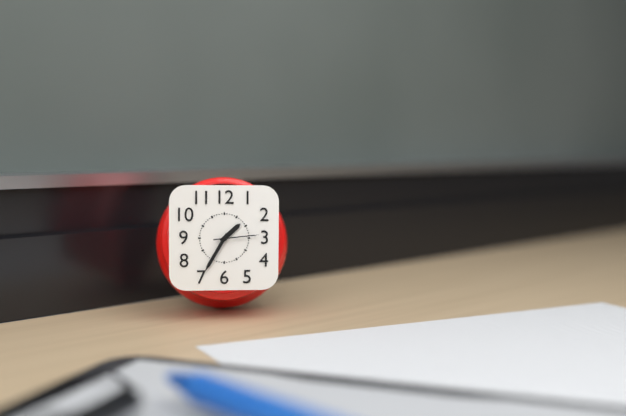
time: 1:35
